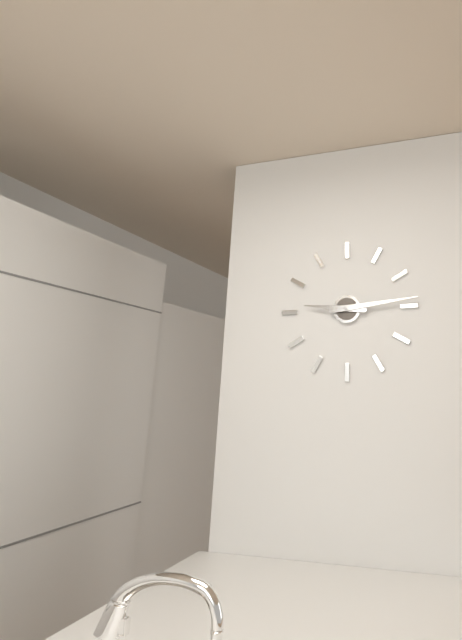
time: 9:14
